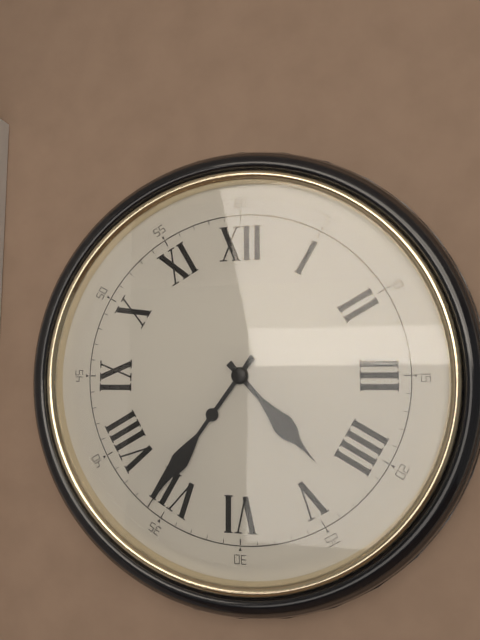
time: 4:36
